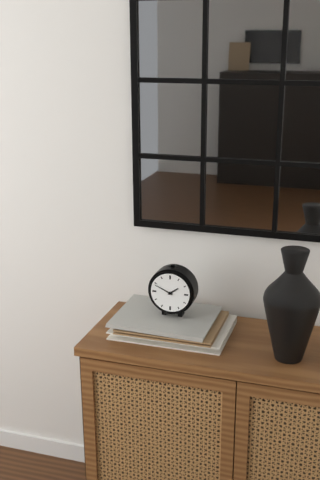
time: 1:49
